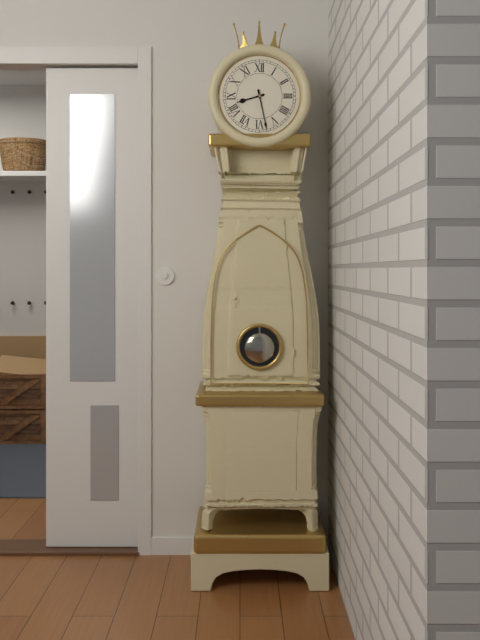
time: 8:28
